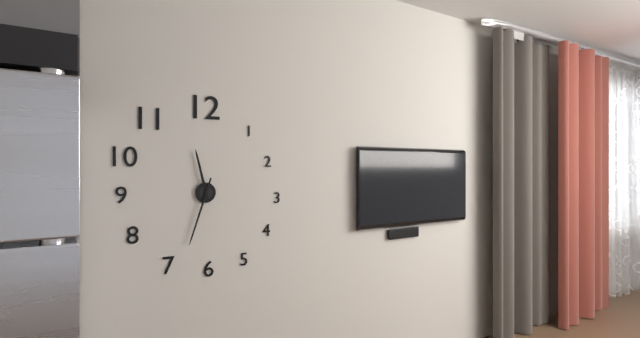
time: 11:33
